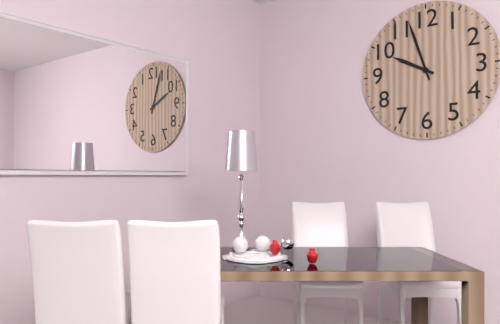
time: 9:57
